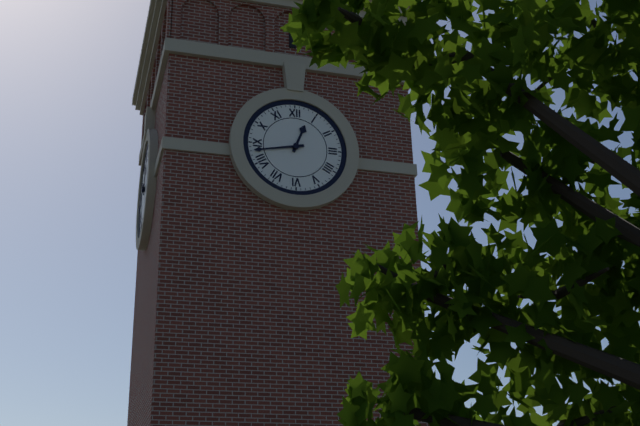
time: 12:43
